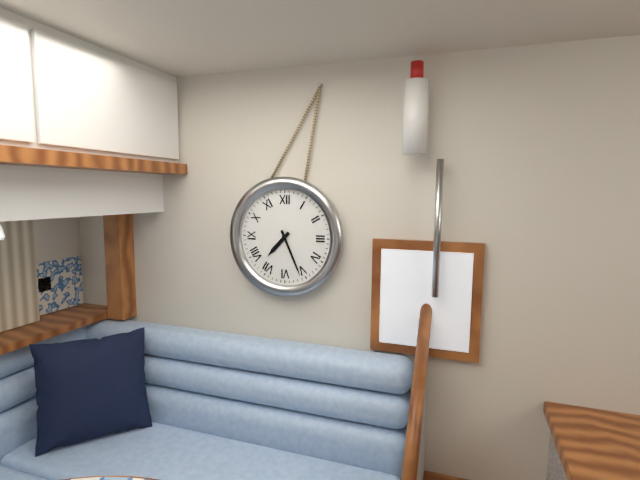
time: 7:26
